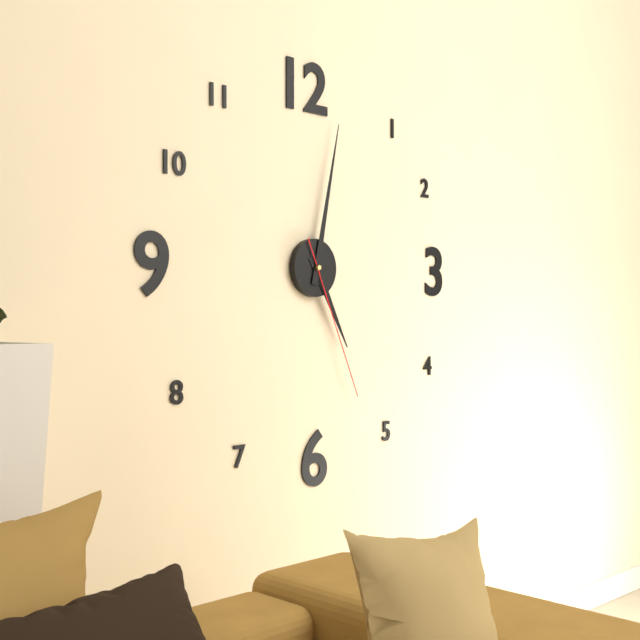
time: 5:02:26
